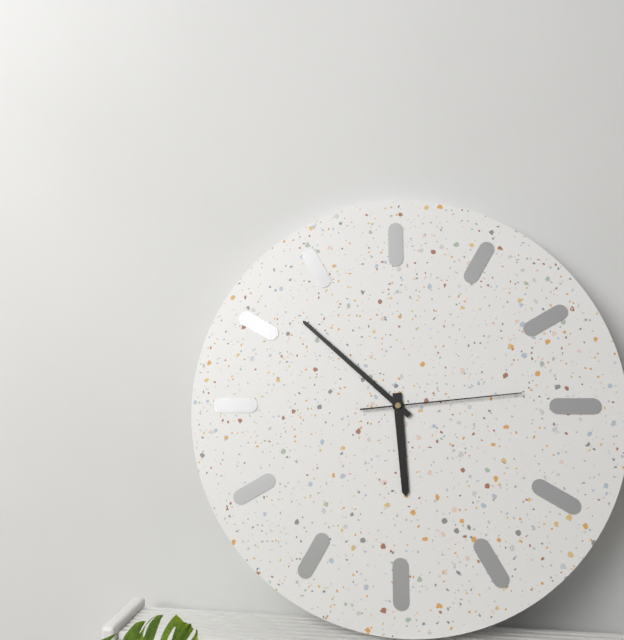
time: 5:52:14
